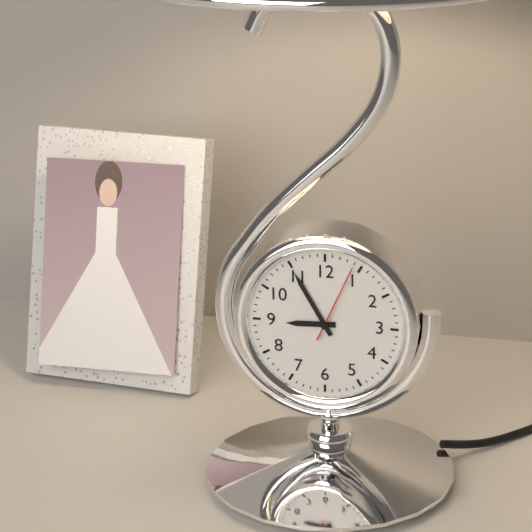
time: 8:55:04
